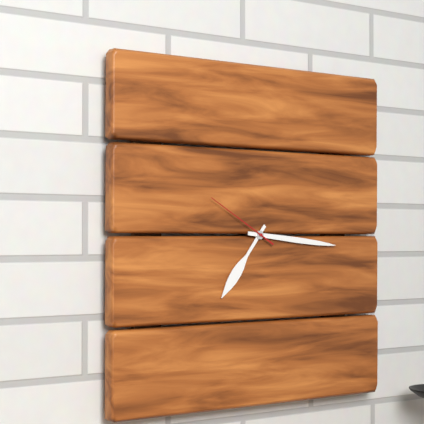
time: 7:16:50
